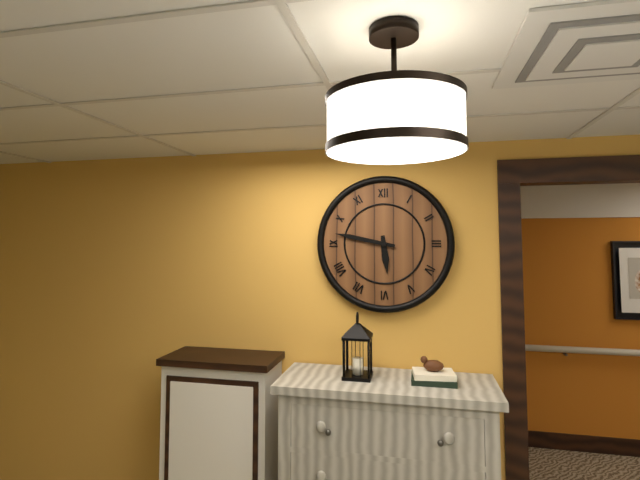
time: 5:47
